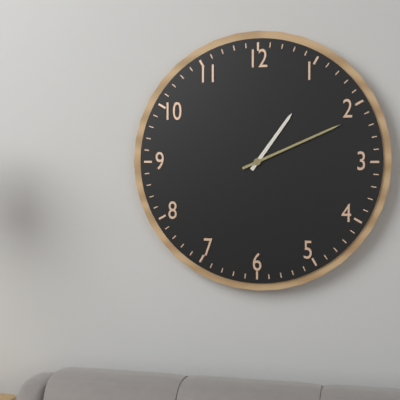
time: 1:11
